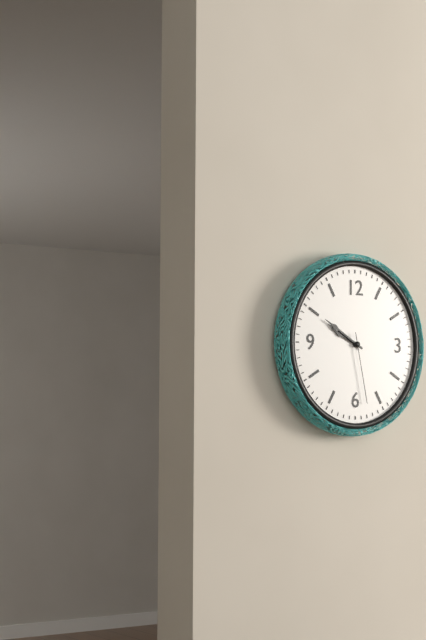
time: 9:50:28
